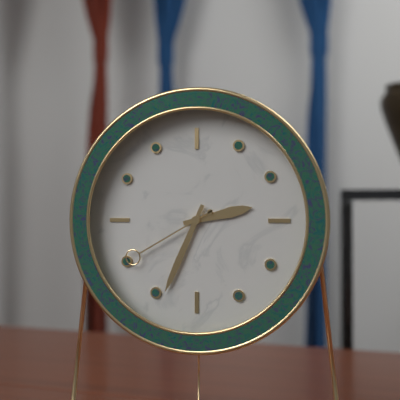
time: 2:34:40
